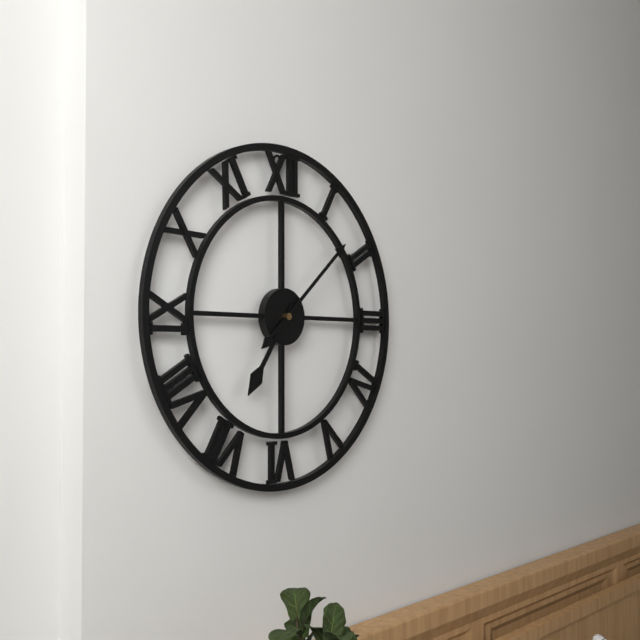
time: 7:08
